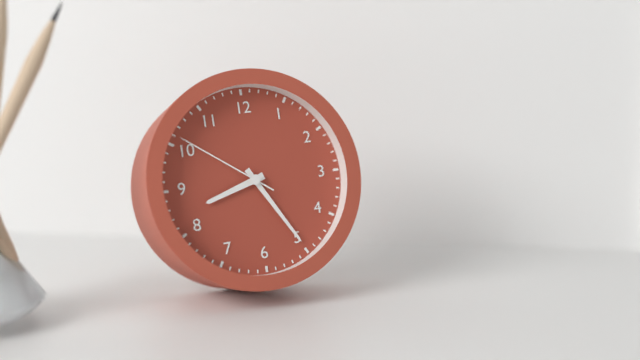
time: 8:25:51
